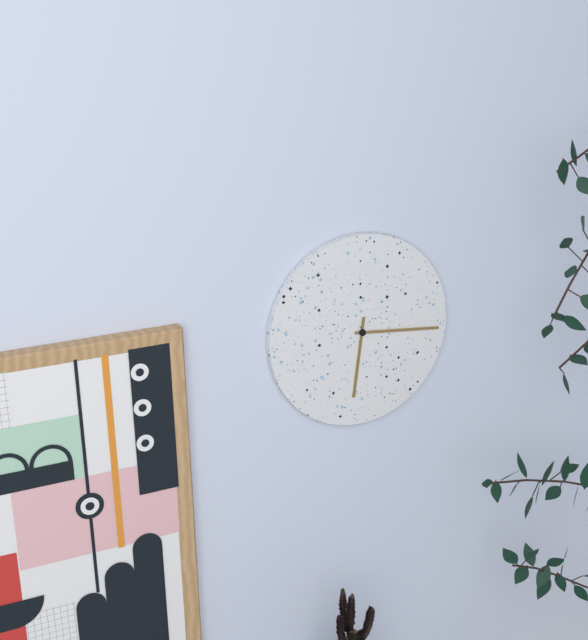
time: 6:16
